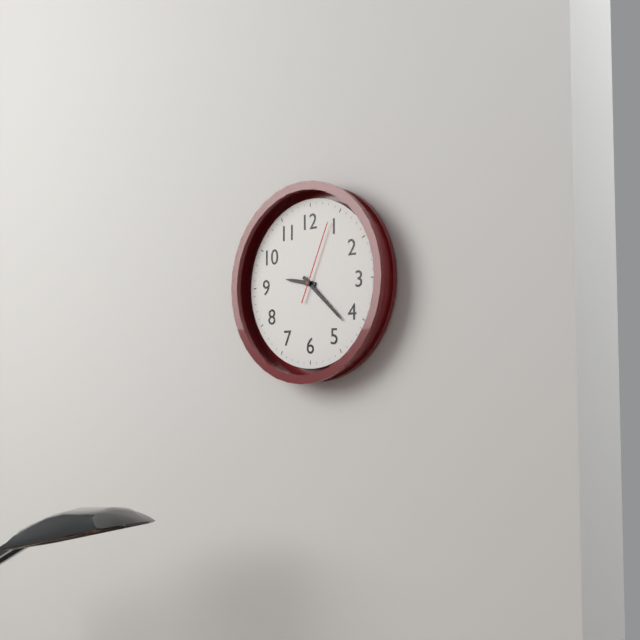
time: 9:22:04
